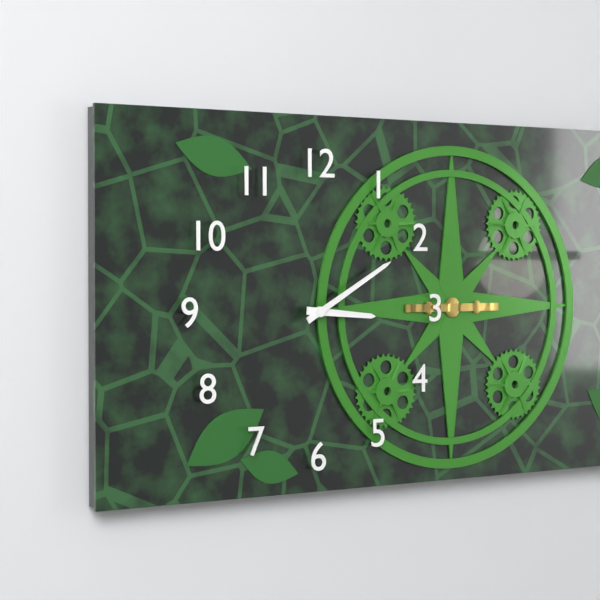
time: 3:10
